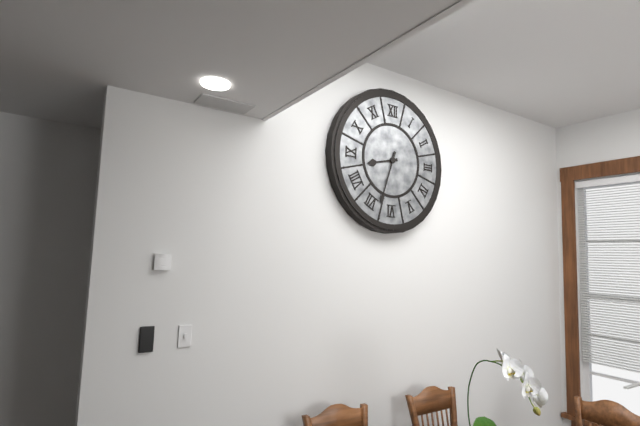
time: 8:33
